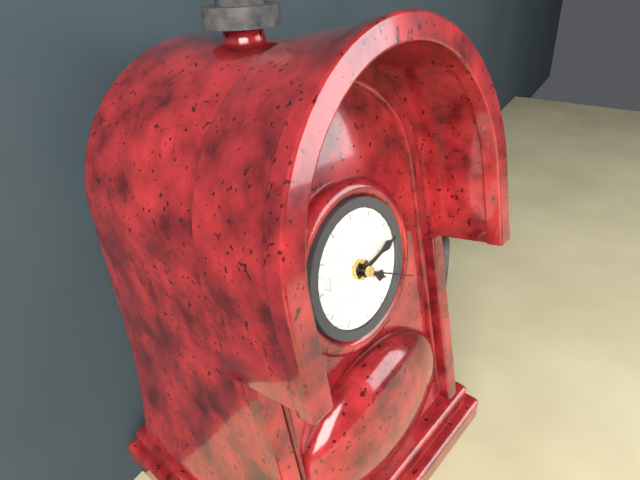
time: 4:13:20
